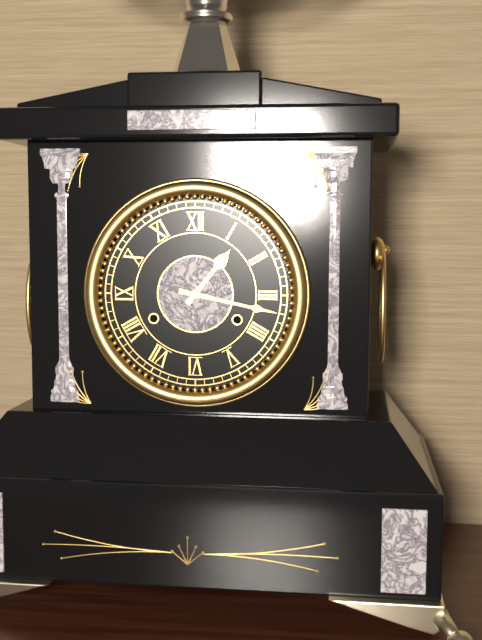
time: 1:17
